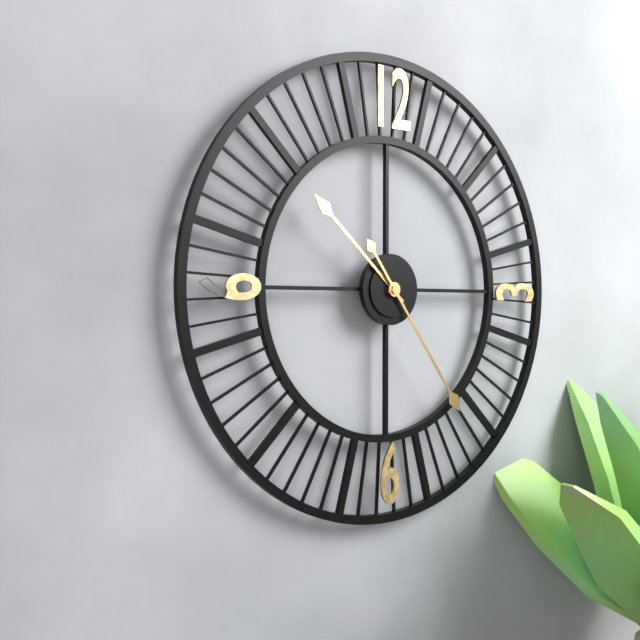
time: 10:24
